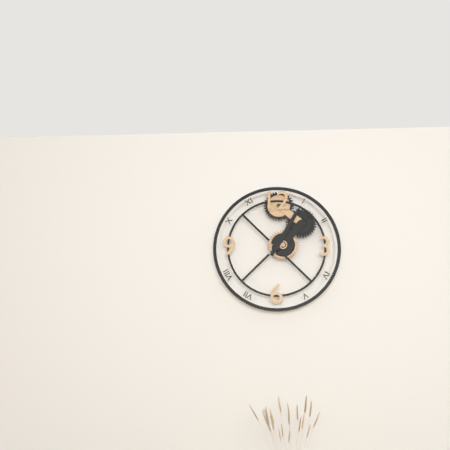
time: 1:05
